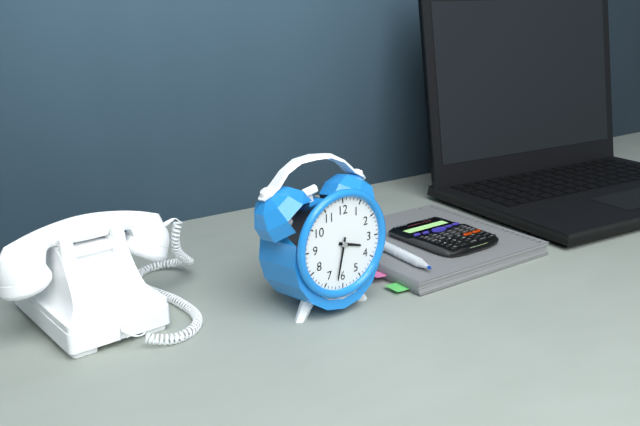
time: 3:32
